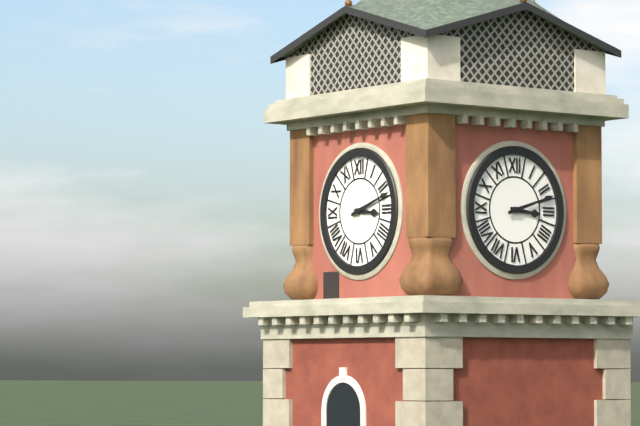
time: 3:12
